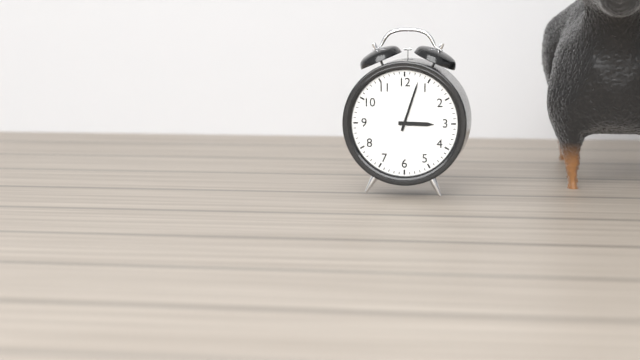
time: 3:03
